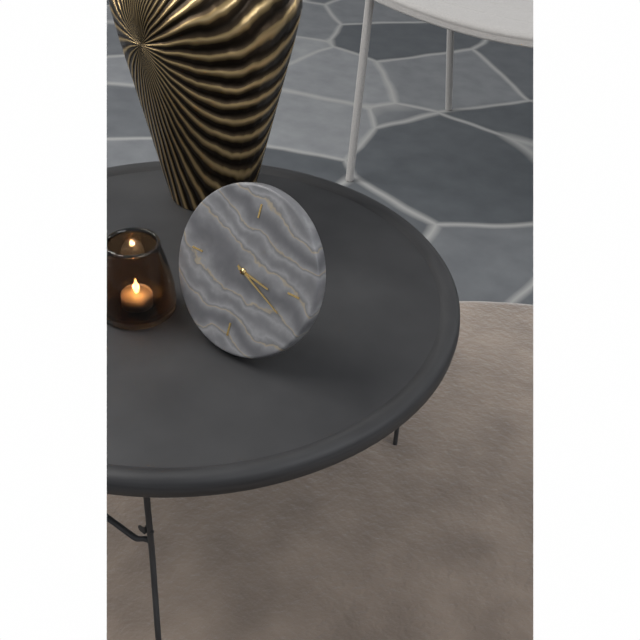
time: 3:19
